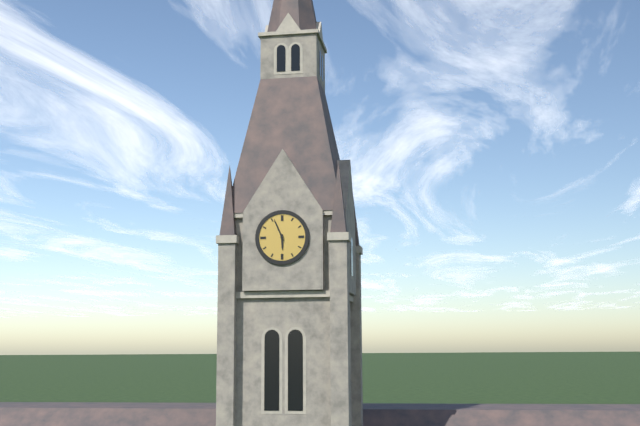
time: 5:56
